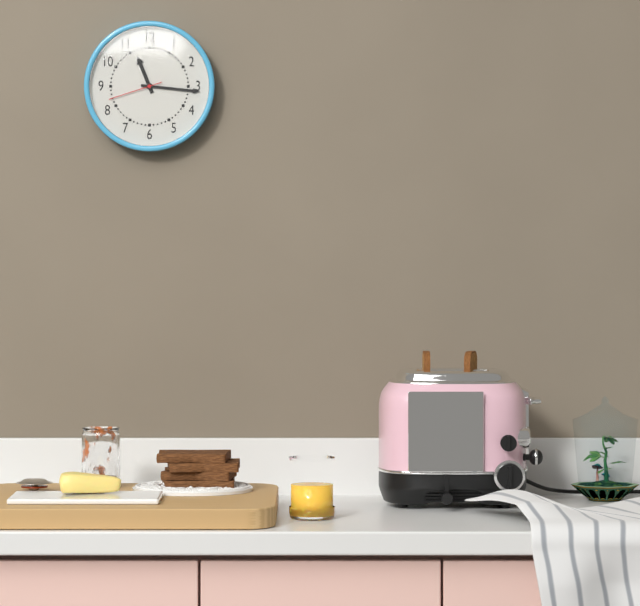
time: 11:16:42
